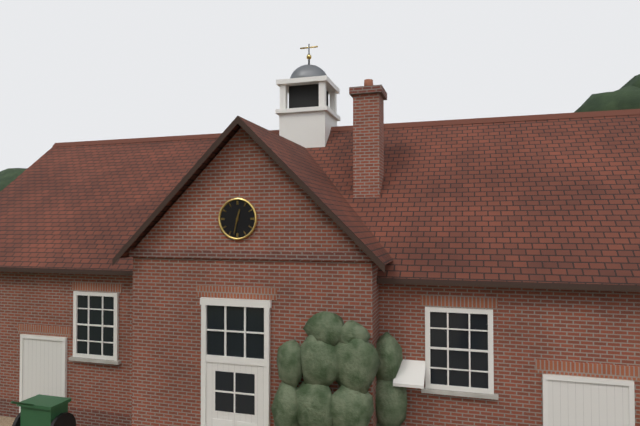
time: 12:32
